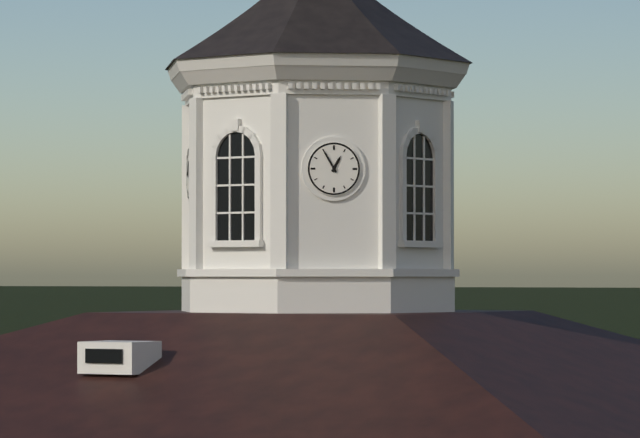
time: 12:55
